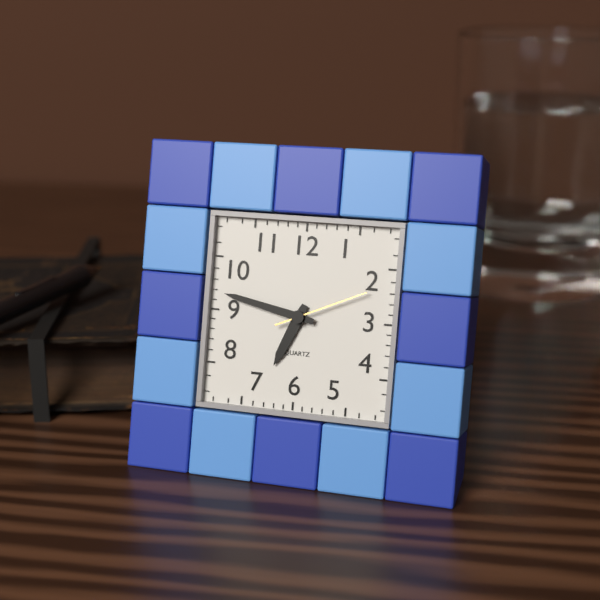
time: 6:47:11
